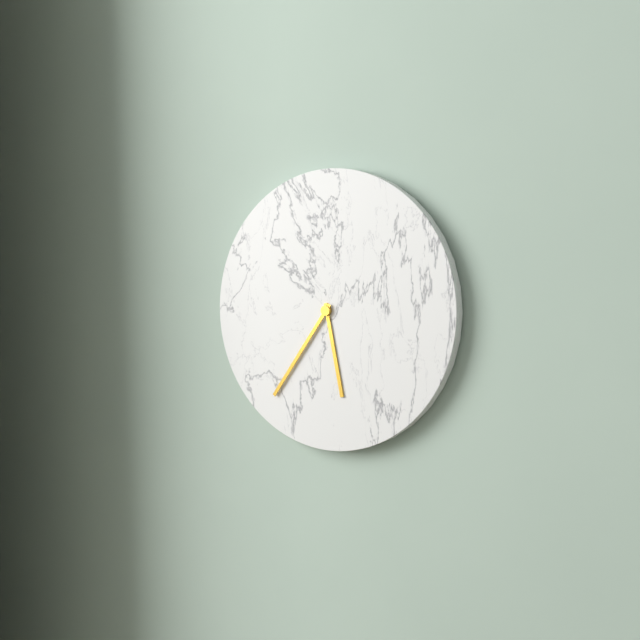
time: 5:36
